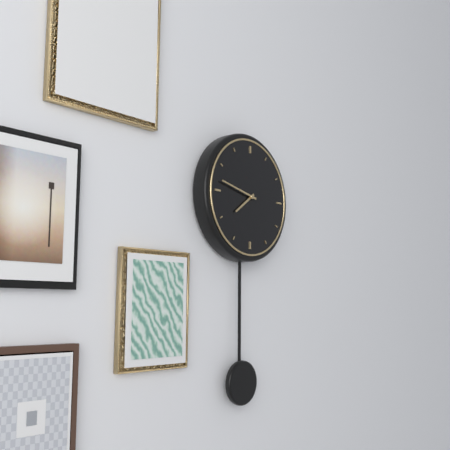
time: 7:47
